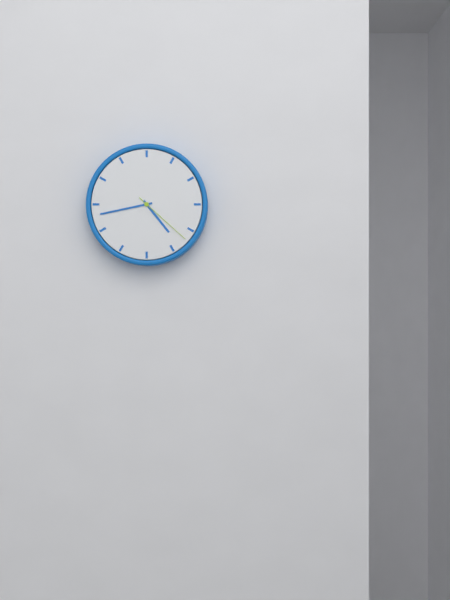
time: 4:43:22
